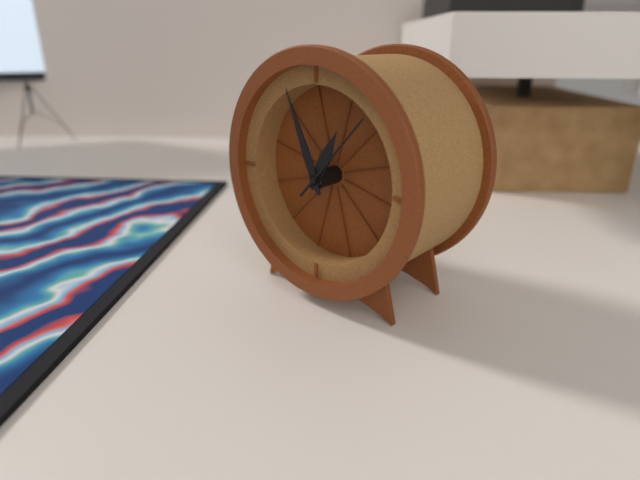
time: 12:56:07
